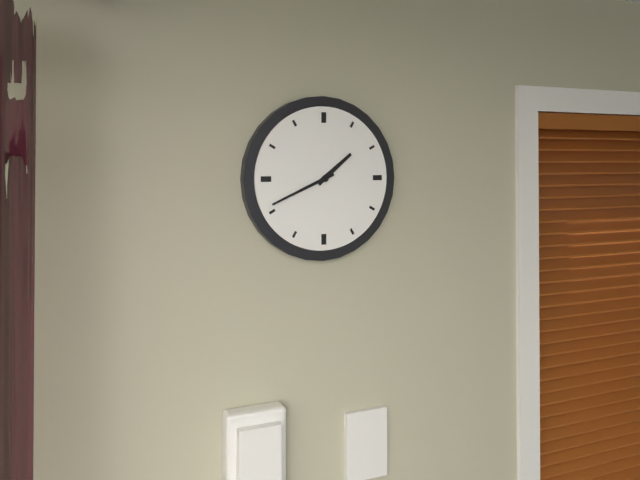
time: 1:41
